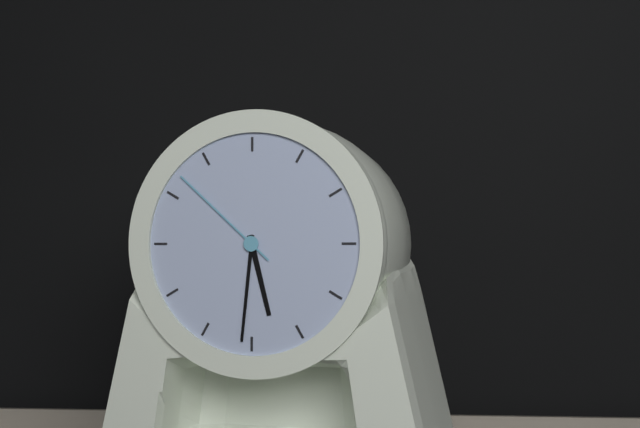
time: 5:31:52
